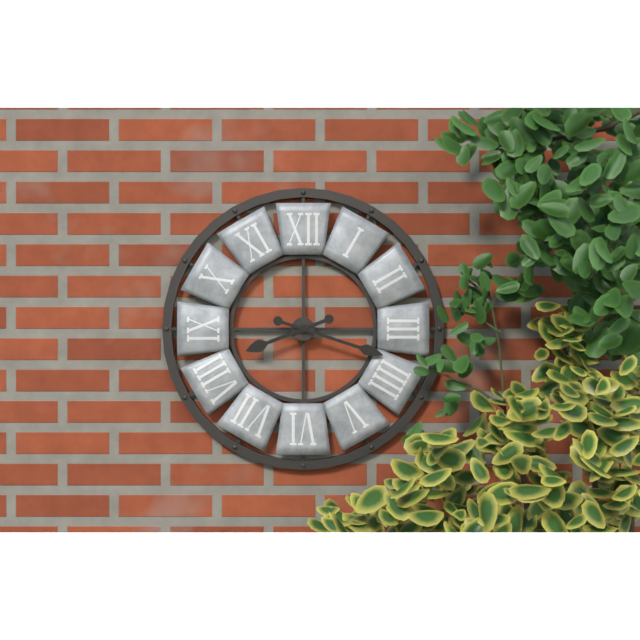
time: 8:18
